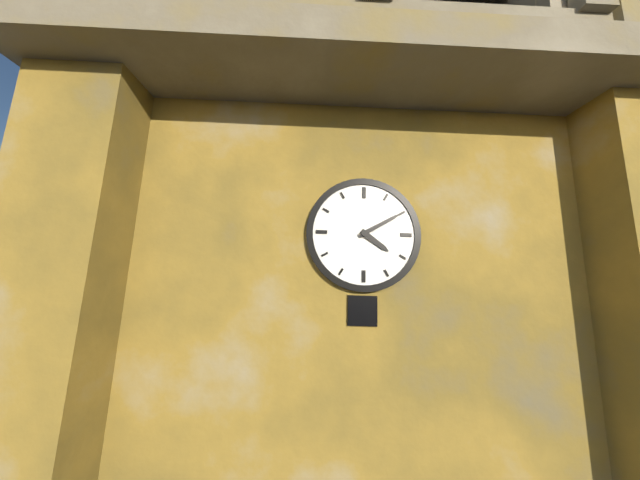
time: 4:10
